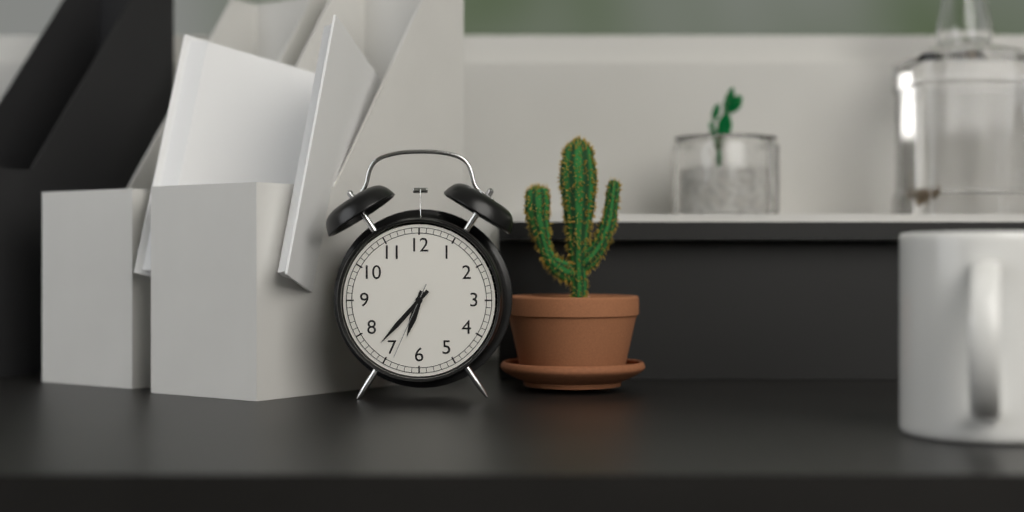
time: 6:37:34
